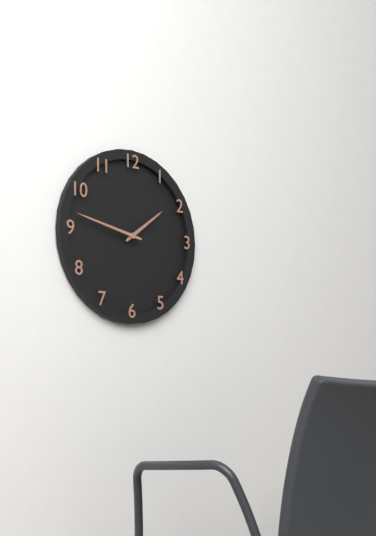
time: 1:47
